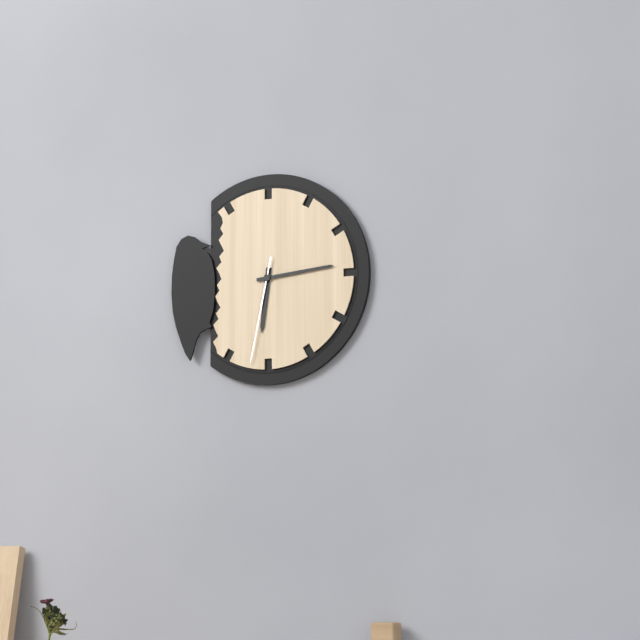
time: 6:14:32
